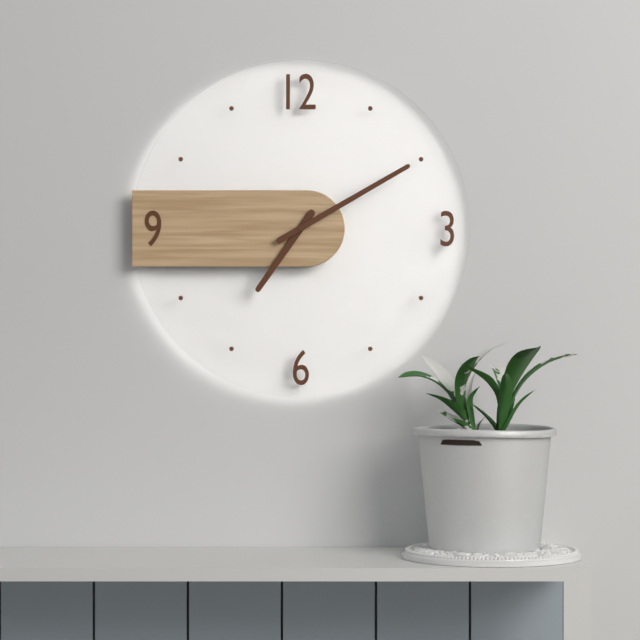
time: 7:10
